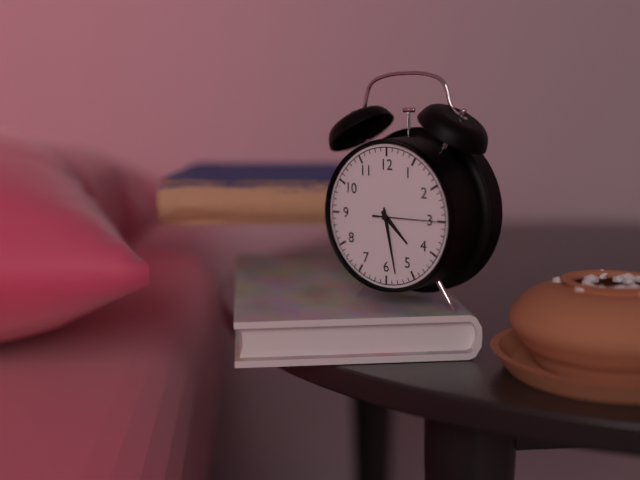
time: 4:28:15
